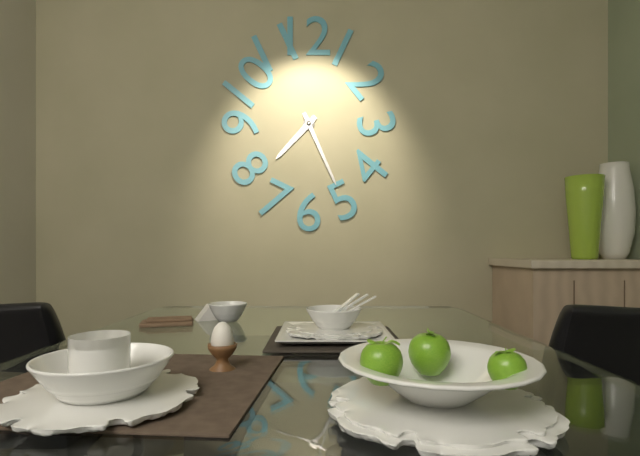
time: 7:26
